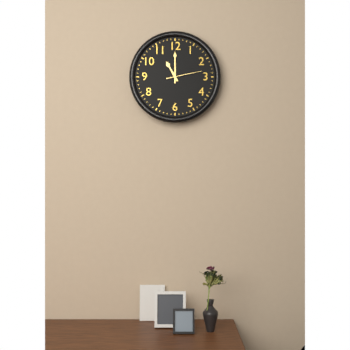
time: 11:00
